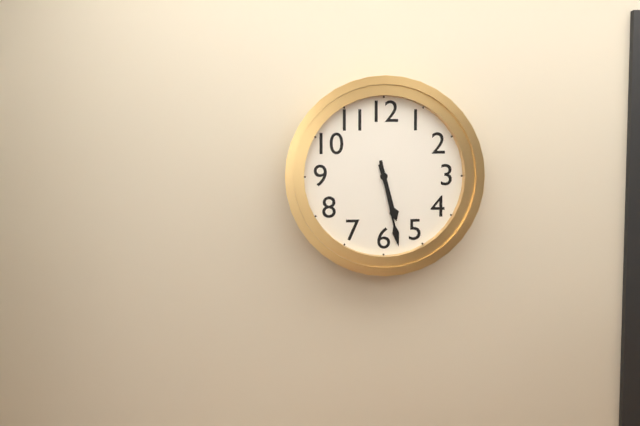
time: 5:28
